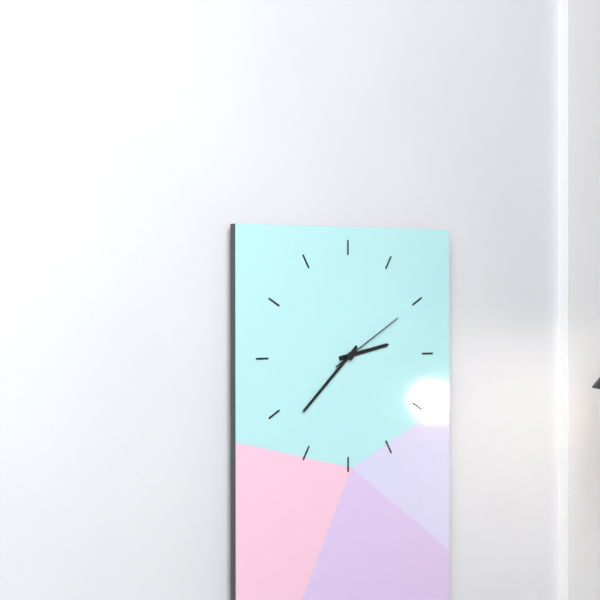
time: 2:38:10
